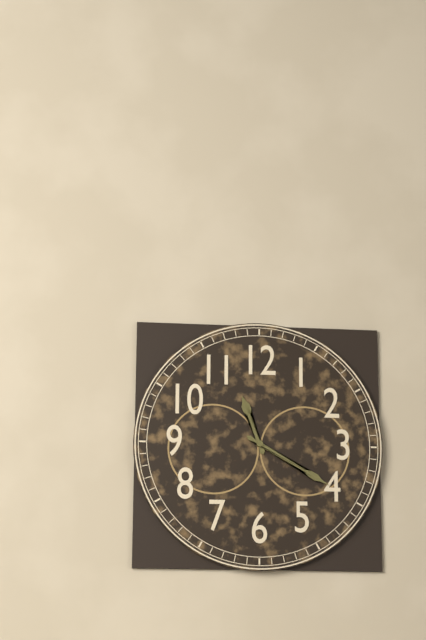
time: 11:20
